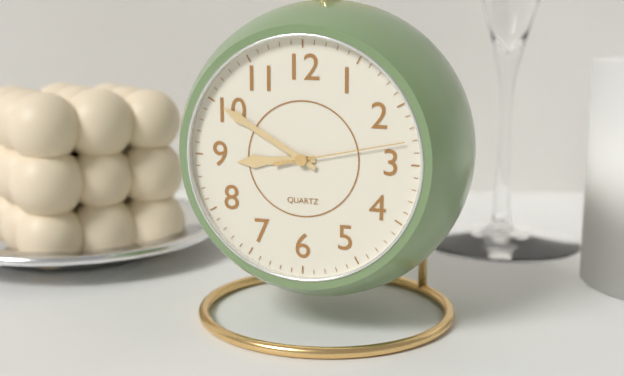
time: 8:50:13
